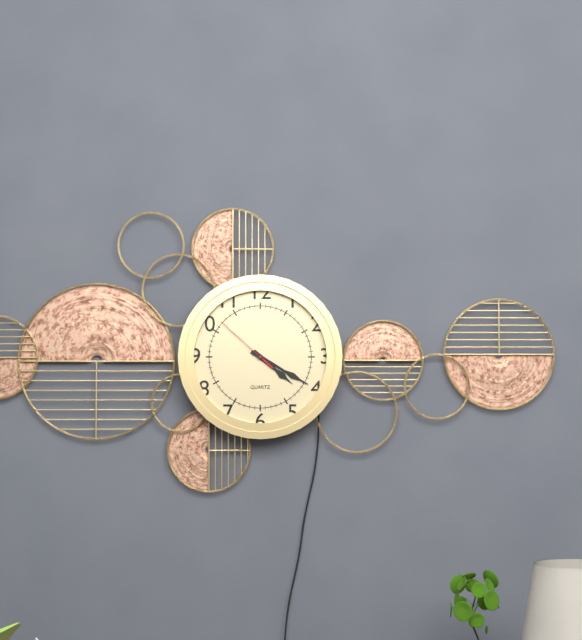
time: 4:20:52
